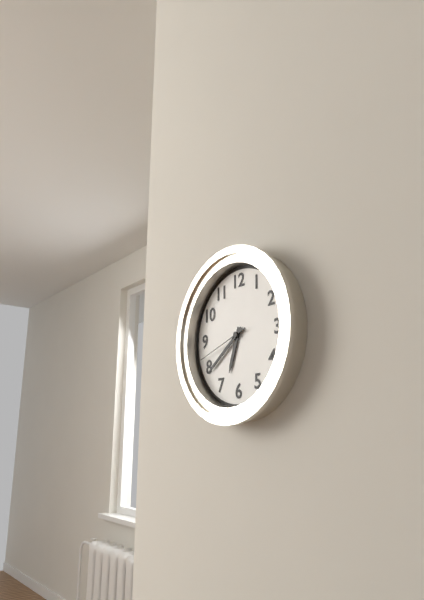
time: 6:39:42
